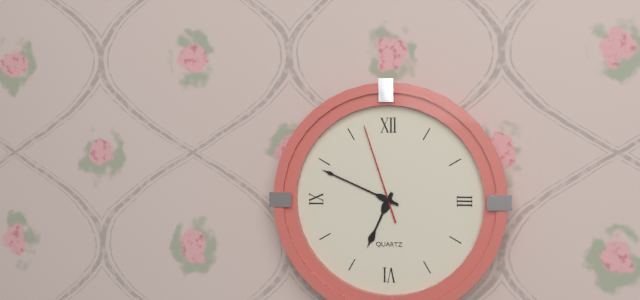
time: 6:49:57
